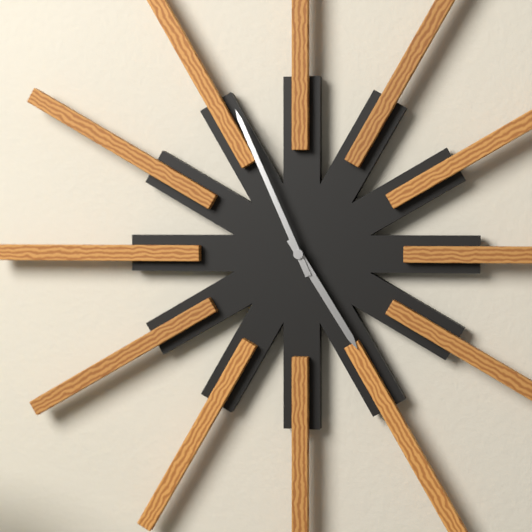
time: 4:56
